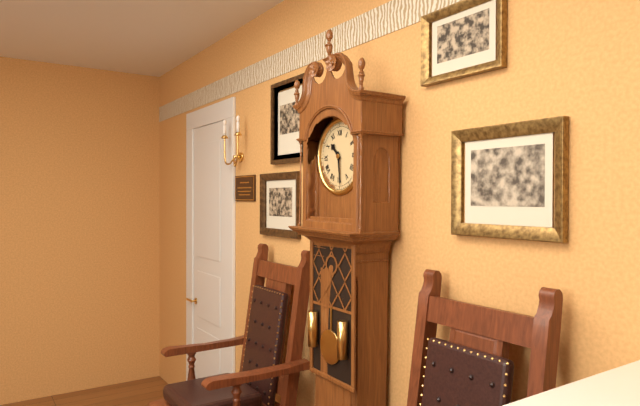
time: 10:29
